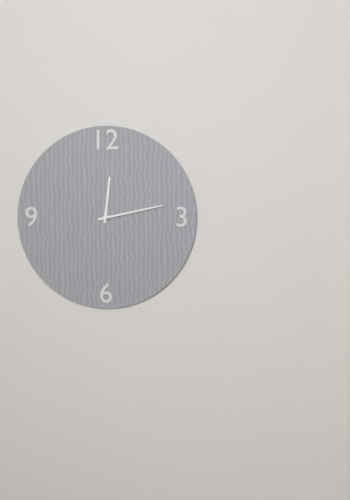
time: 12:13
